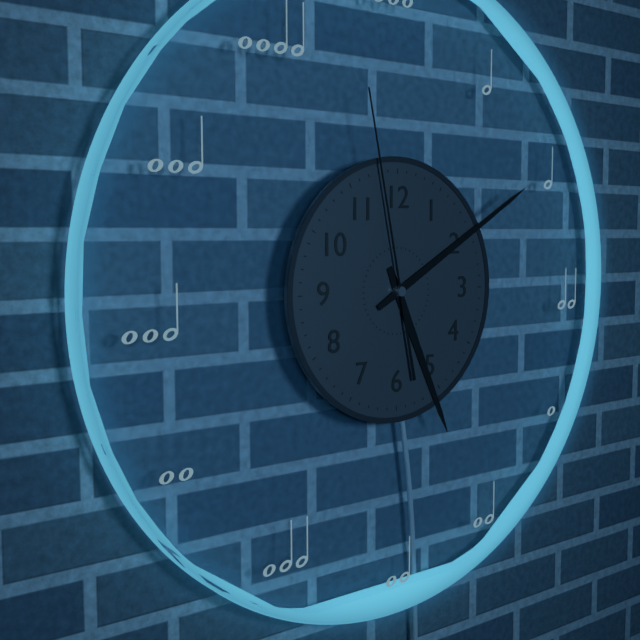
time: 5:10:58
